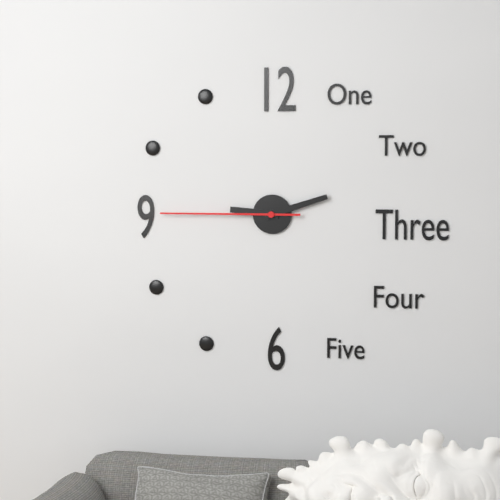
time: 9:12:45
